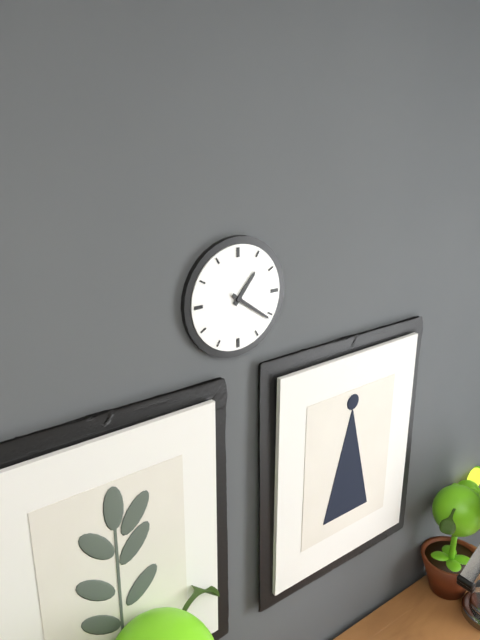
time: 1:21
